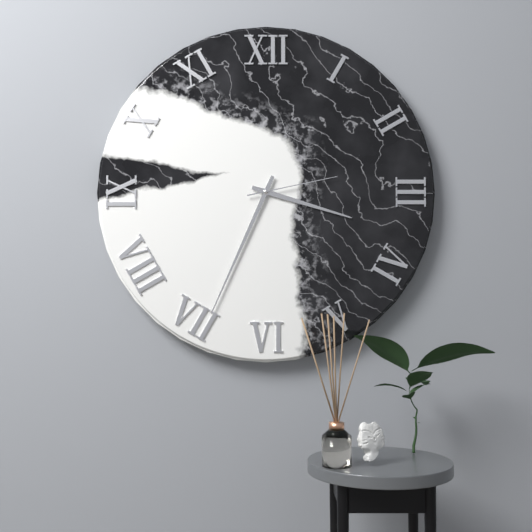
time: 3:34:13
